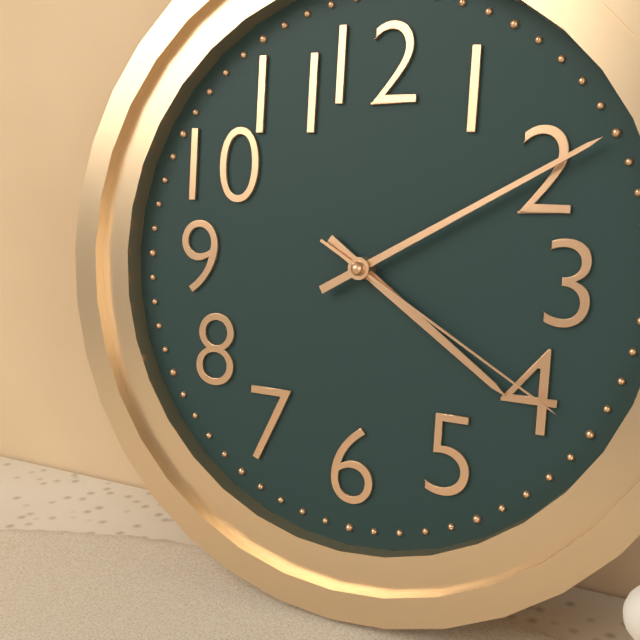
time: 4:10:20
